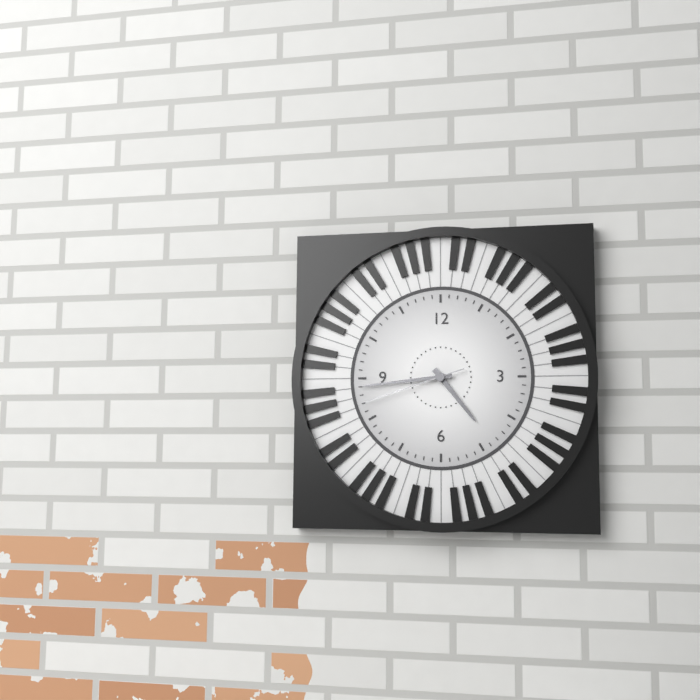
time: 4:44:42
